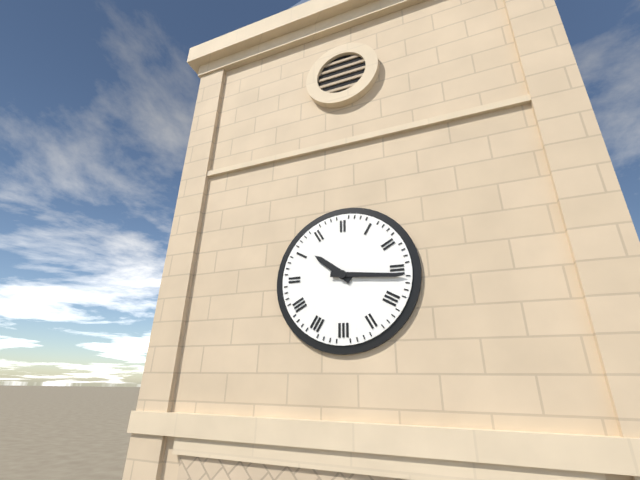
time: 10:16
